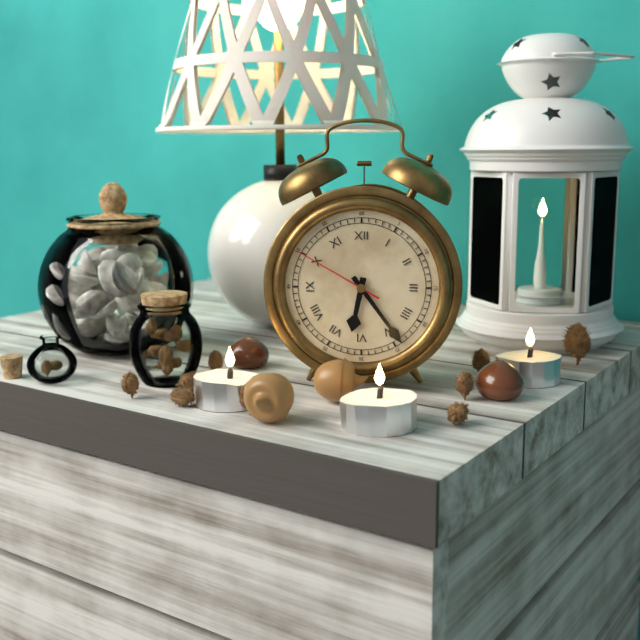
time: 6:24:50
